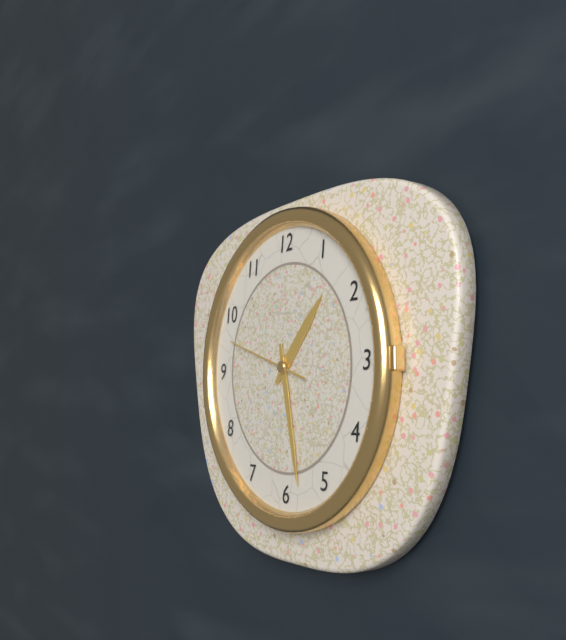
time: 1:28:48
